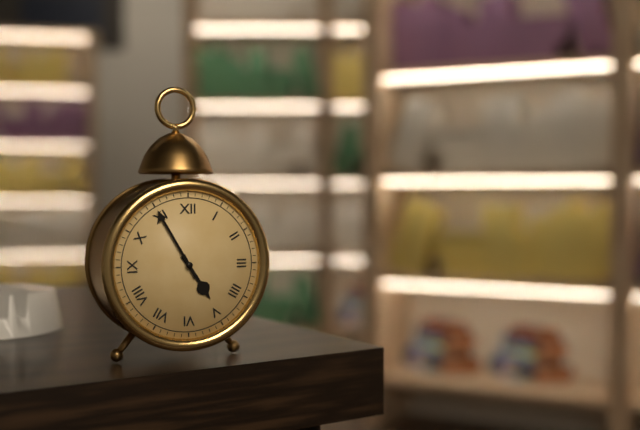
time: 4:55
